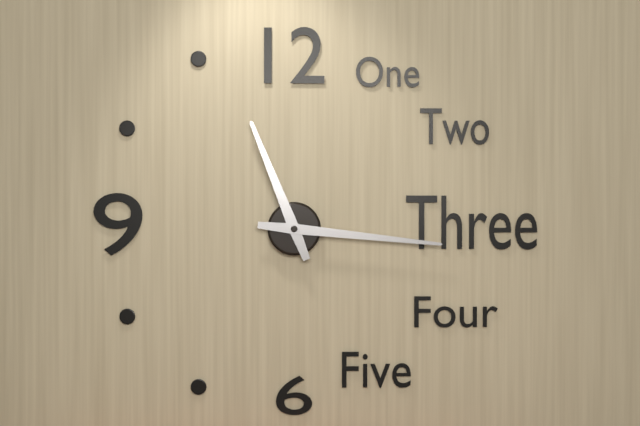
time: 11:16
